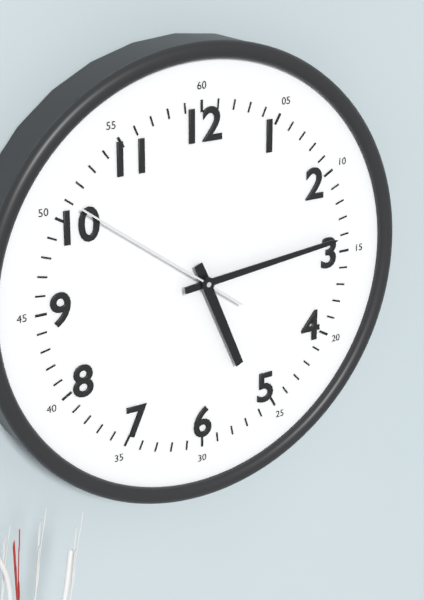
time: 5:14:51
